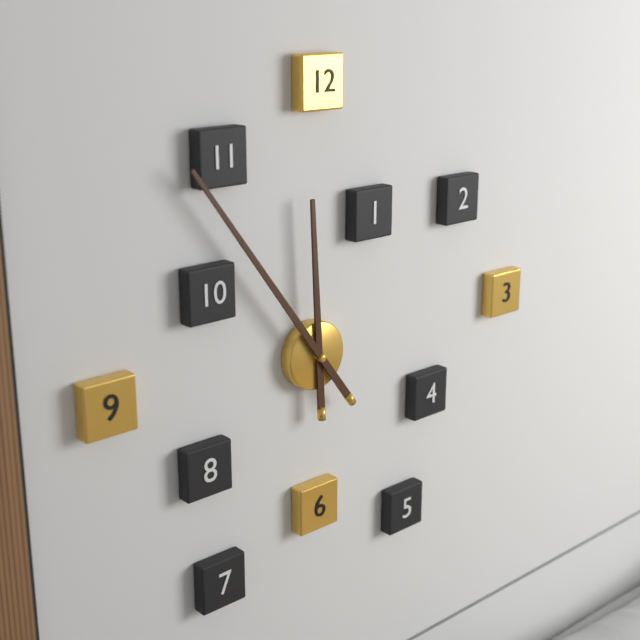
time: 11:54
